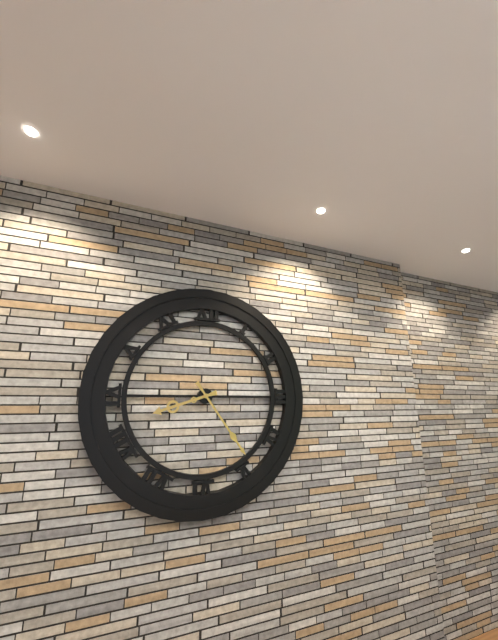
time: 8:24
